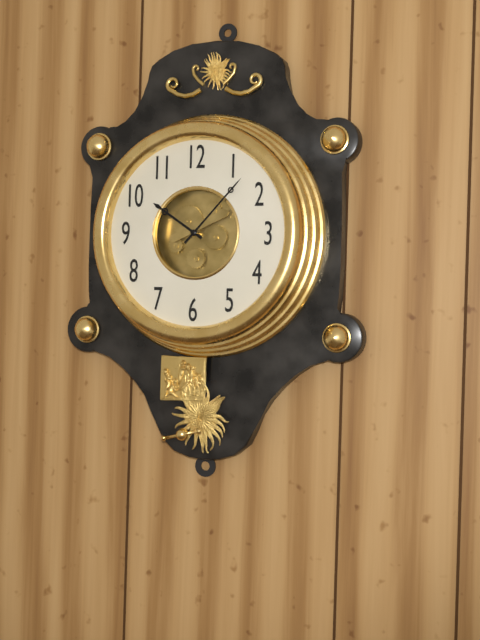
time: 10:07
